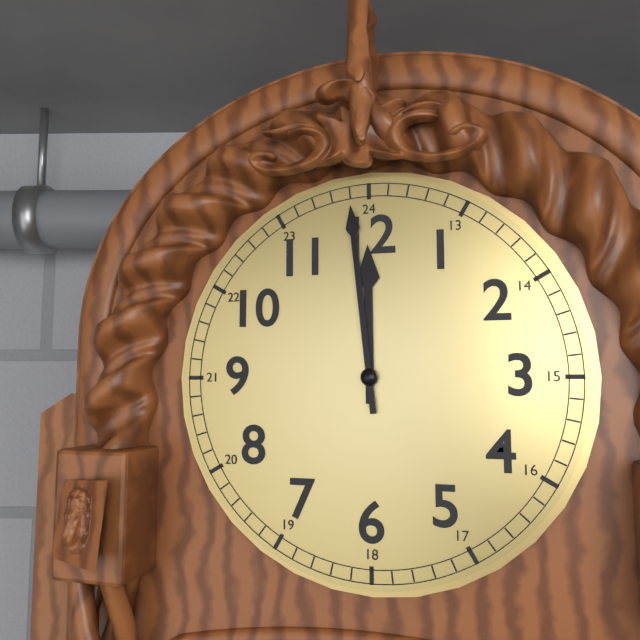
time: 11:59
